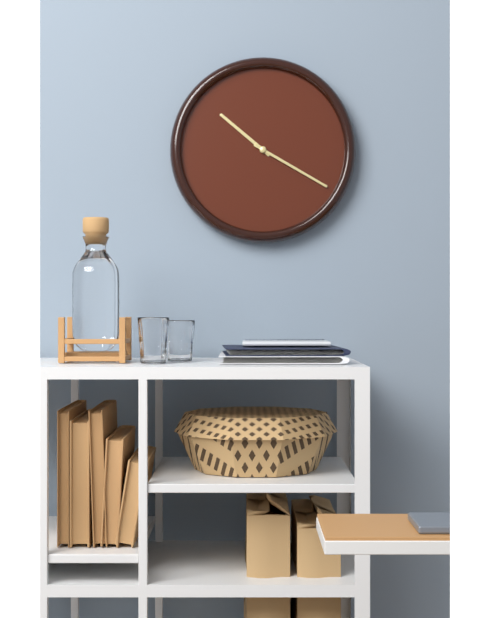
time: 10:20
